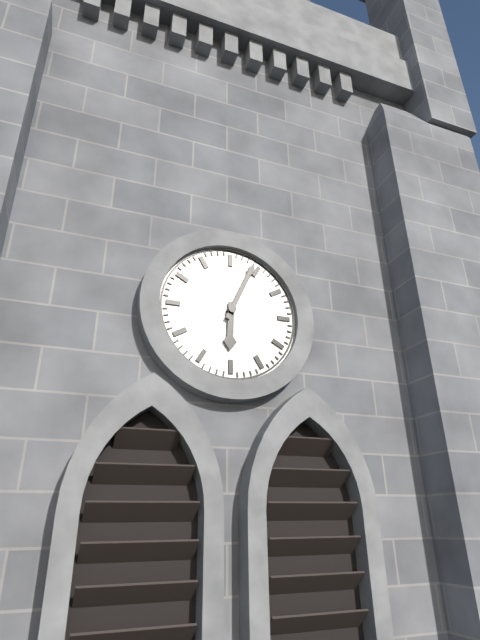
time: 6:04
